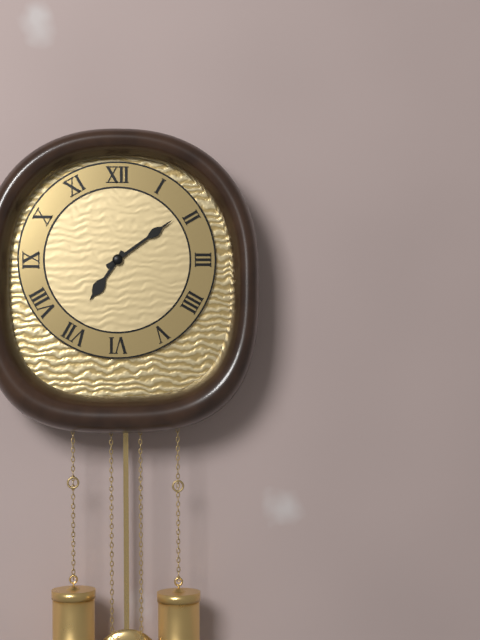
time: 7:09
